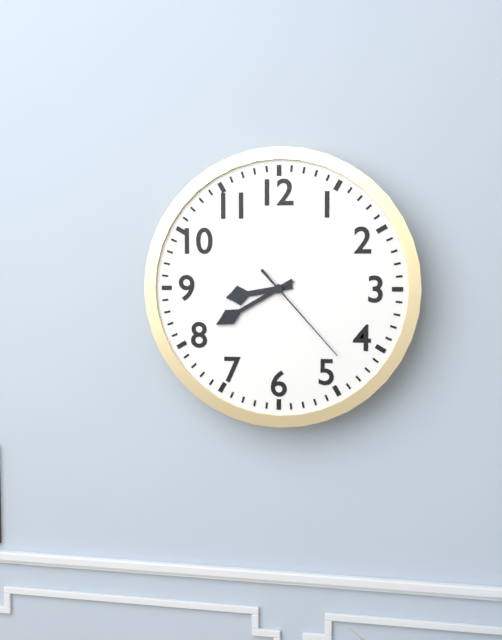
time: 8:40:23
